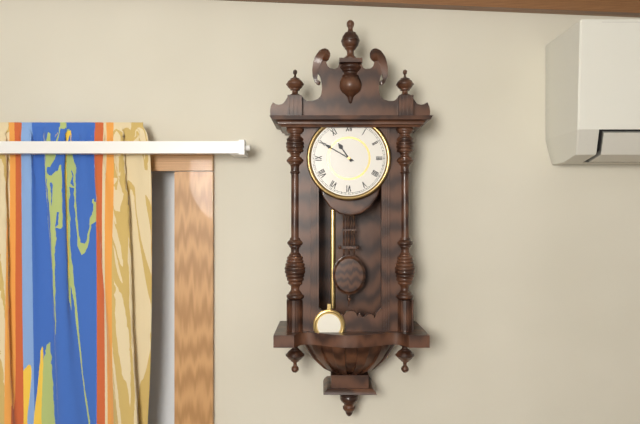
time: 10:50
